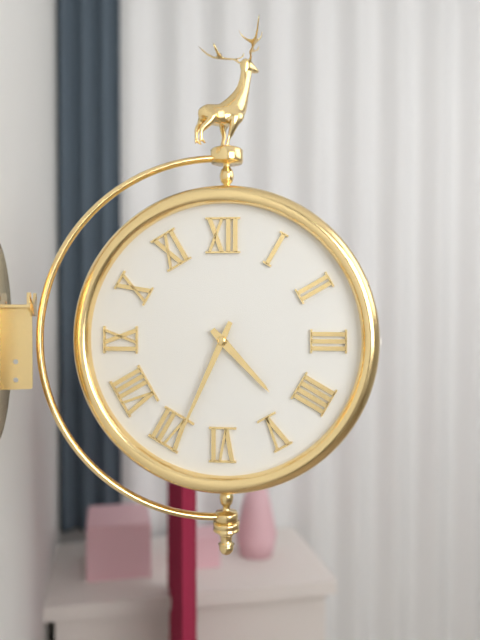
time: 4:34
